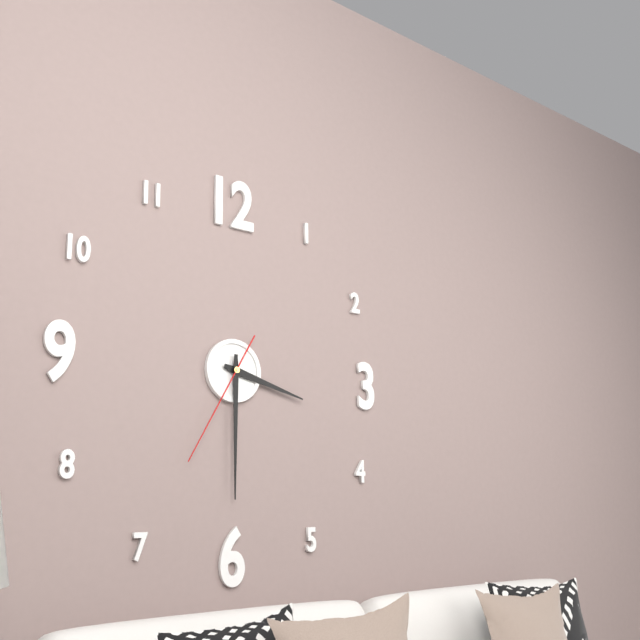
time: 3:30:35
